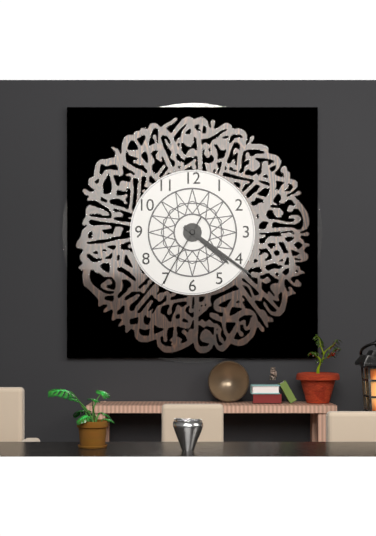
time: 4:21:35
